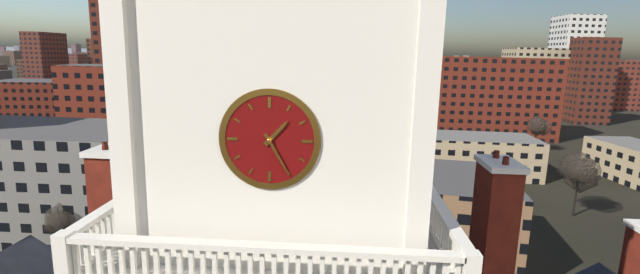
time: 1:25
